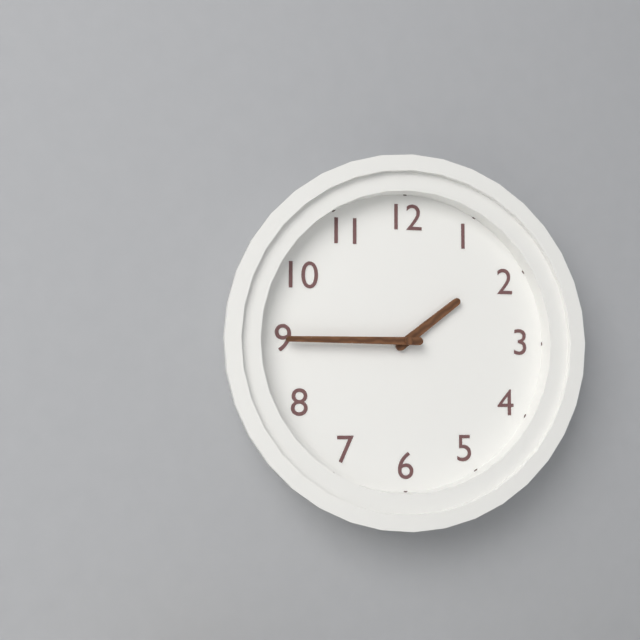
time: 1:45
